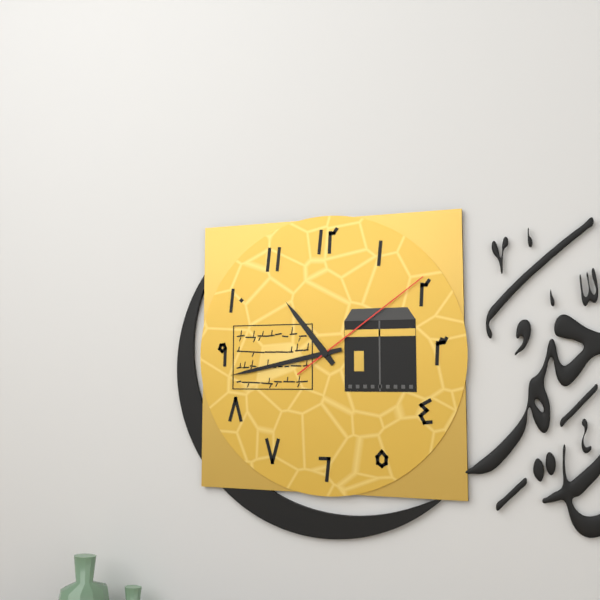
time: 10:43:09
